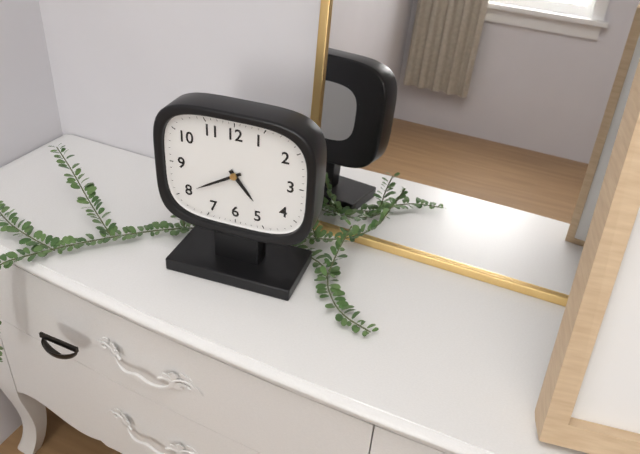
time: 4:40
